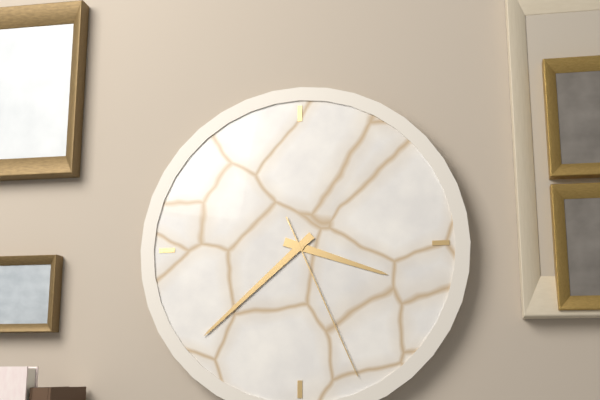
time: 3:38:26
